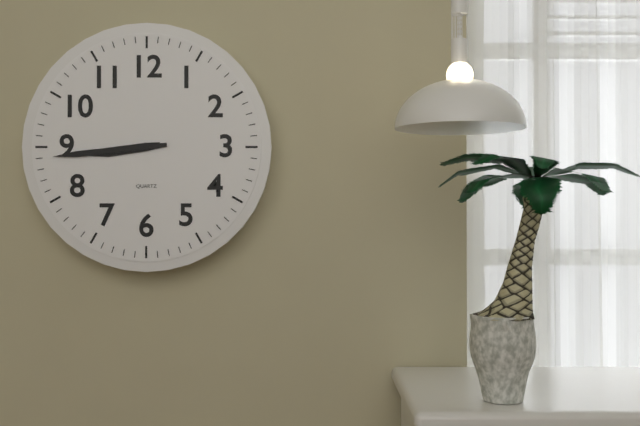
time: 8:44
